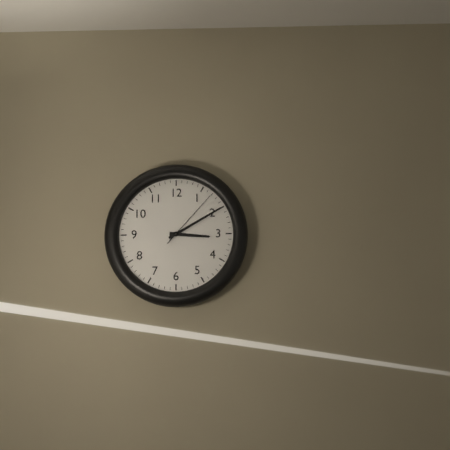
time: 3:10:07
